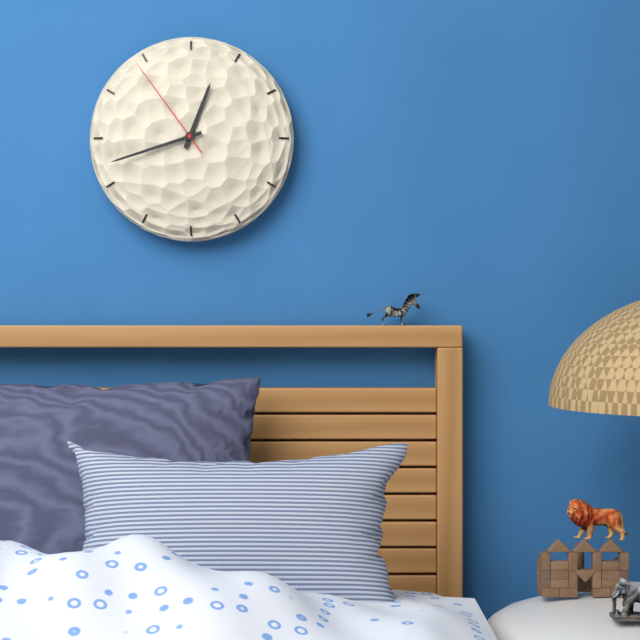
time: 12:42:54
